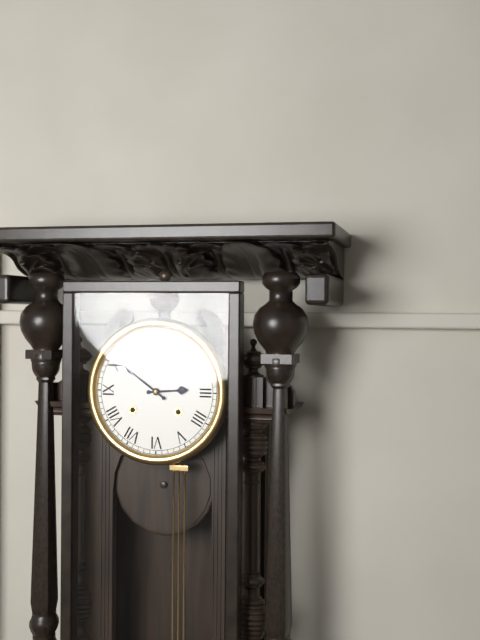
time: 2:51
